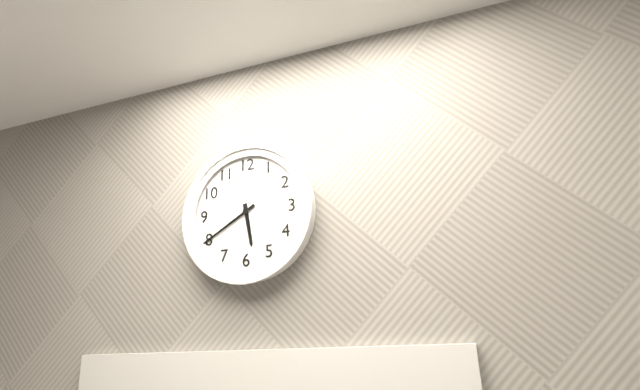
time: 5:40
